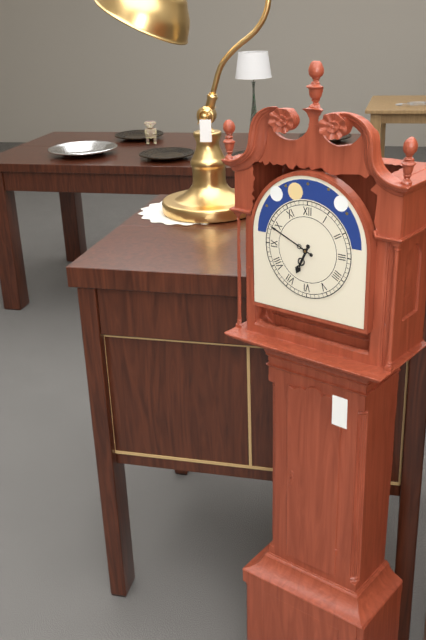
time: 6:49
